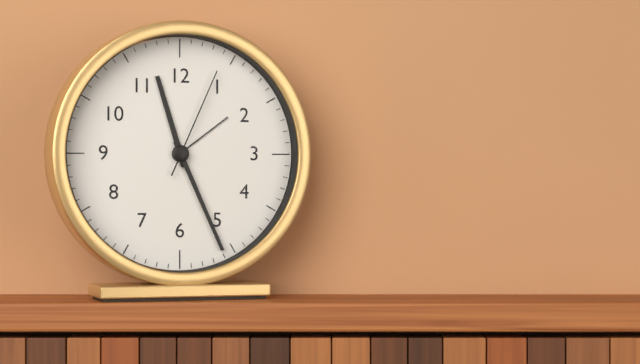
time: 11:26:04
